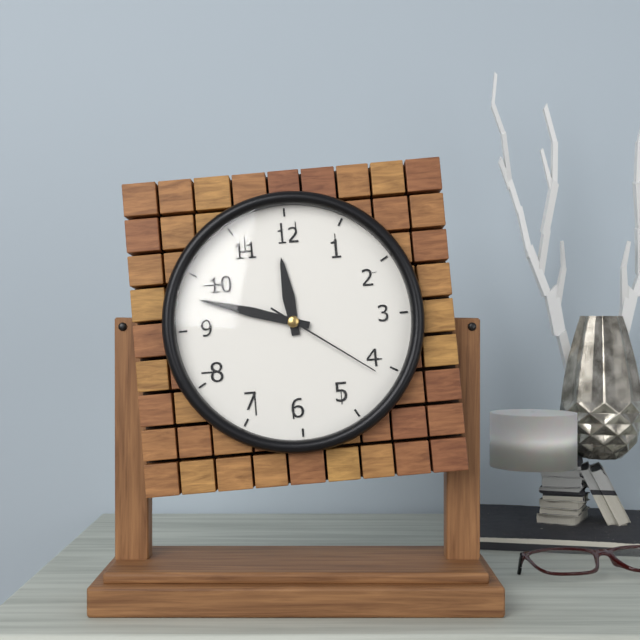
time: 11:48:21
